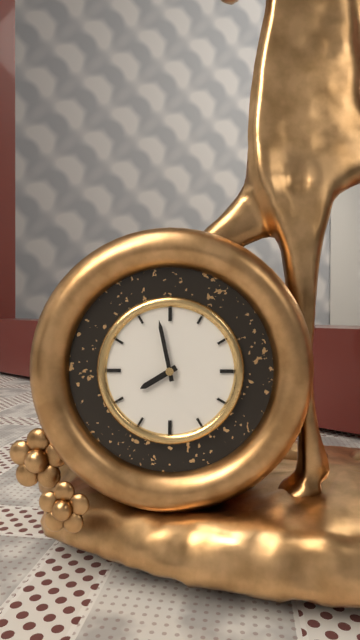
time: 7:58
